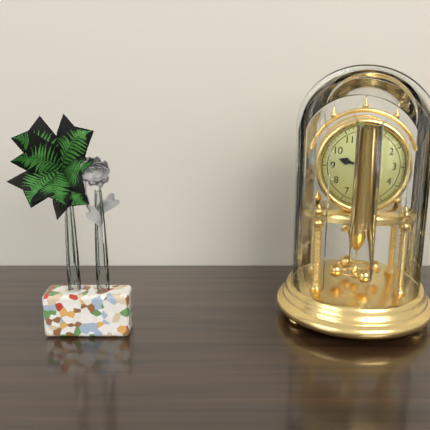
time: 9:32
